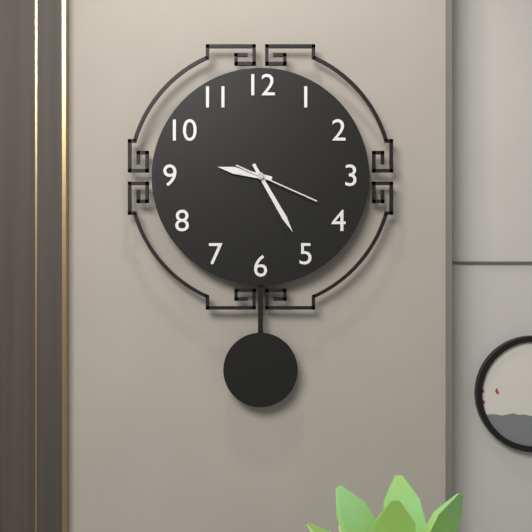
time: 9:25:19
